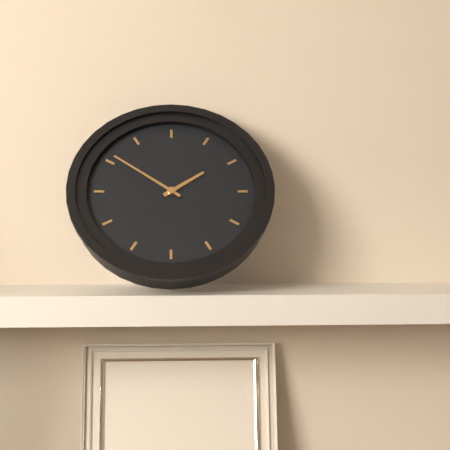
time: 1:51
